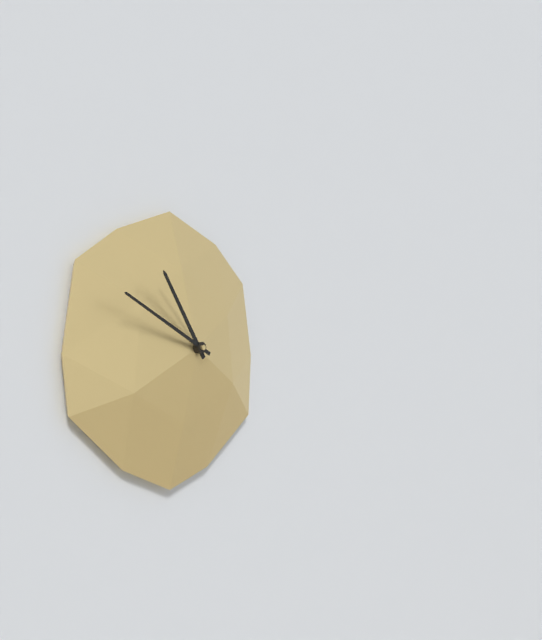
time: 10:49
